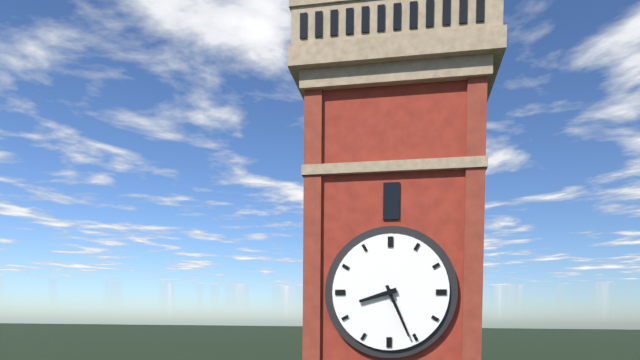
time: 8:26
